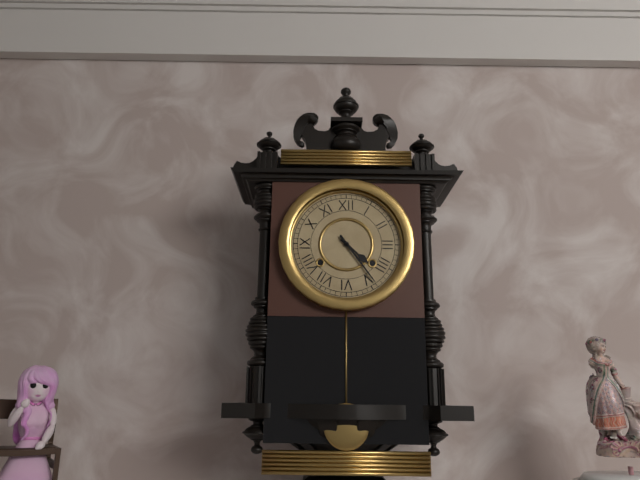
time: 4:24
